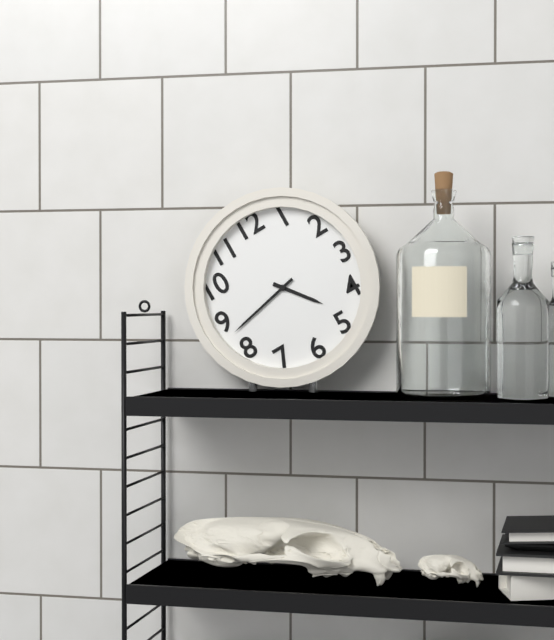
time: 4:43
